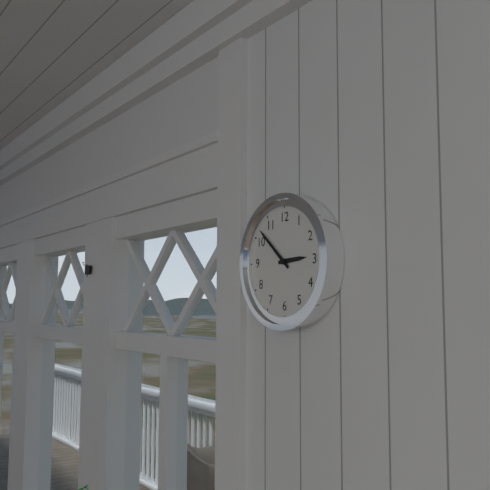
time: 2:52
